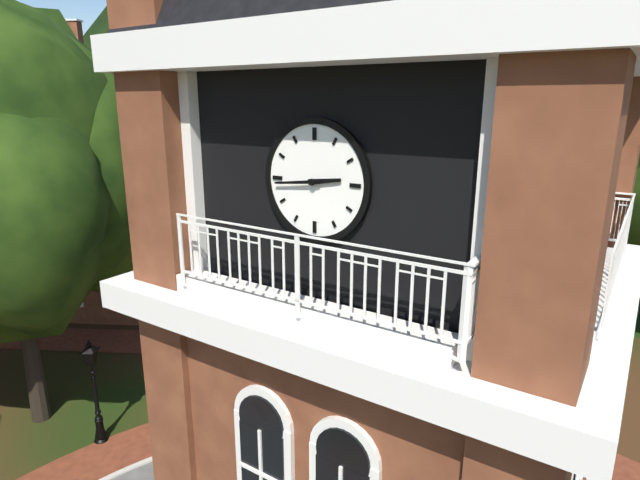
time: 2:44
